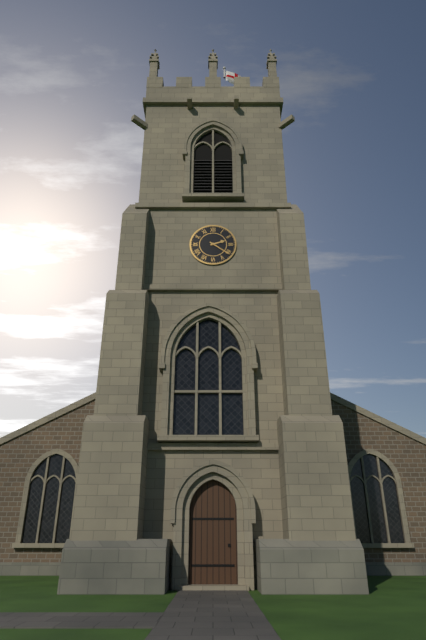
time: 2:21
